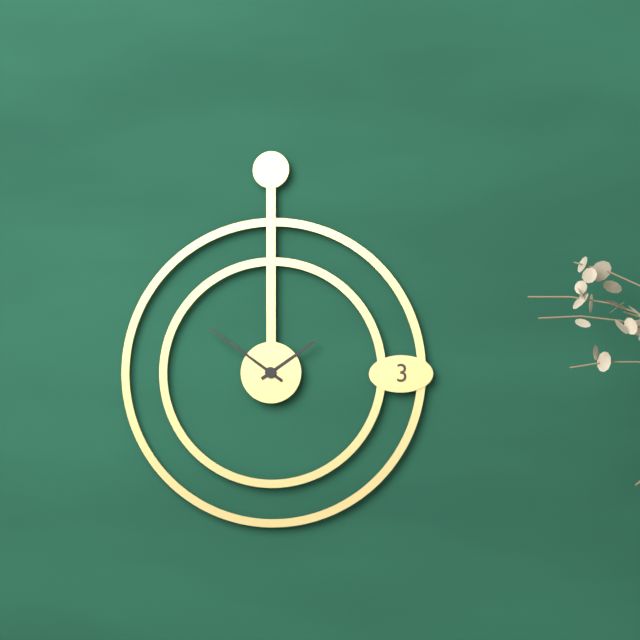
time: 1:51
